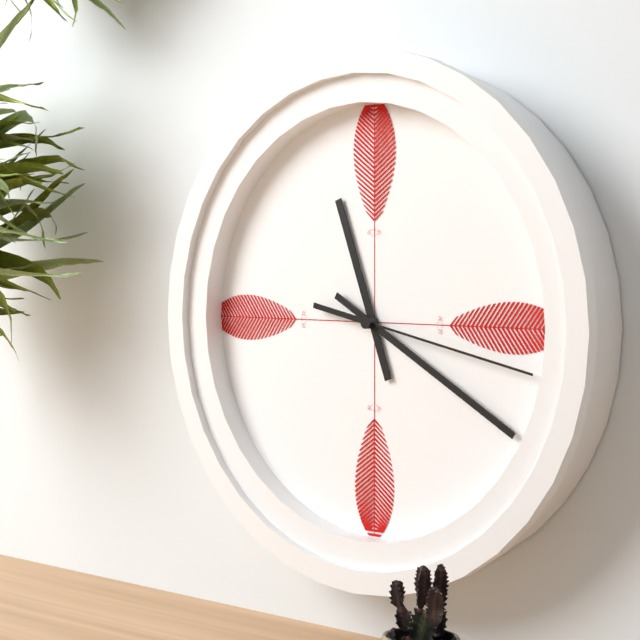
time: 11:20:17
